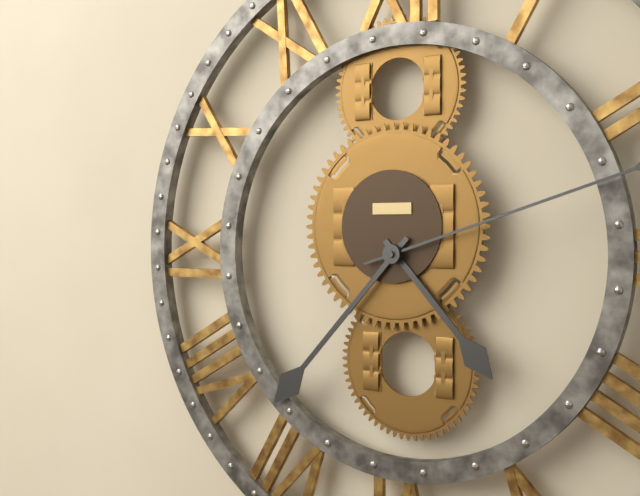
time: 4:37
